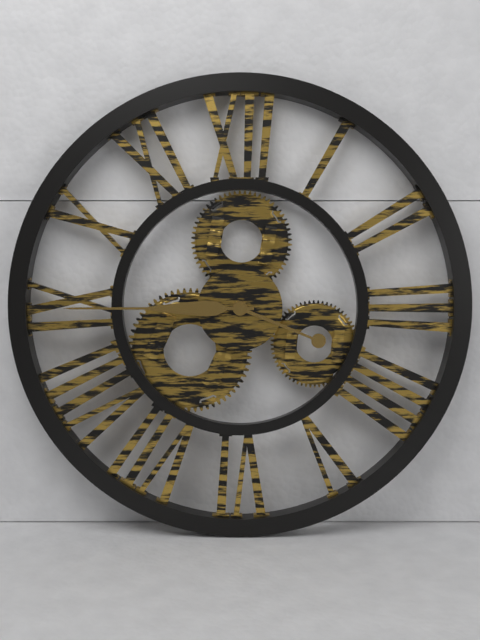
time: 3:45
